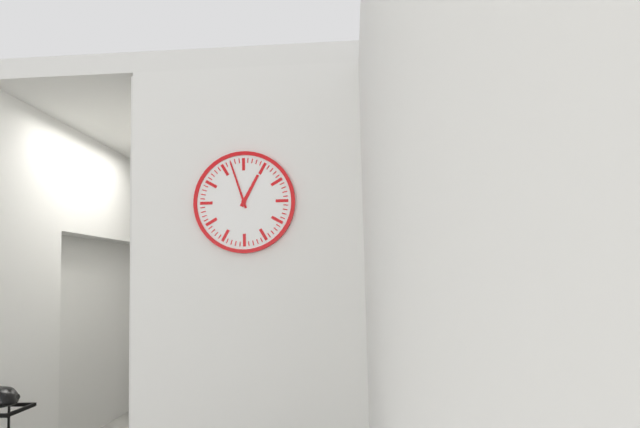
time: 12:57
